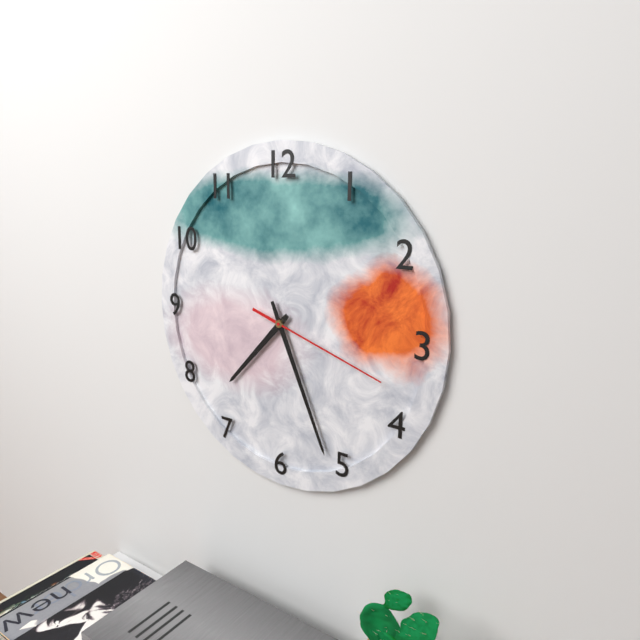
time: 7:26:18
